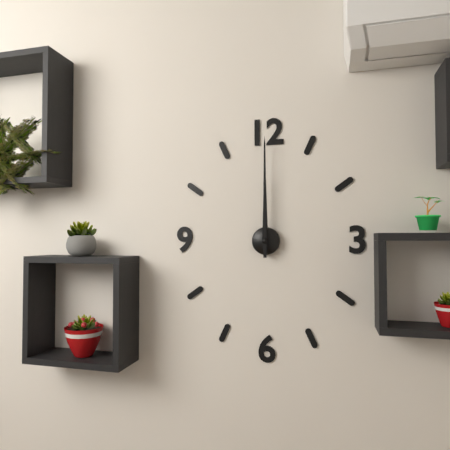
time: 12:00
